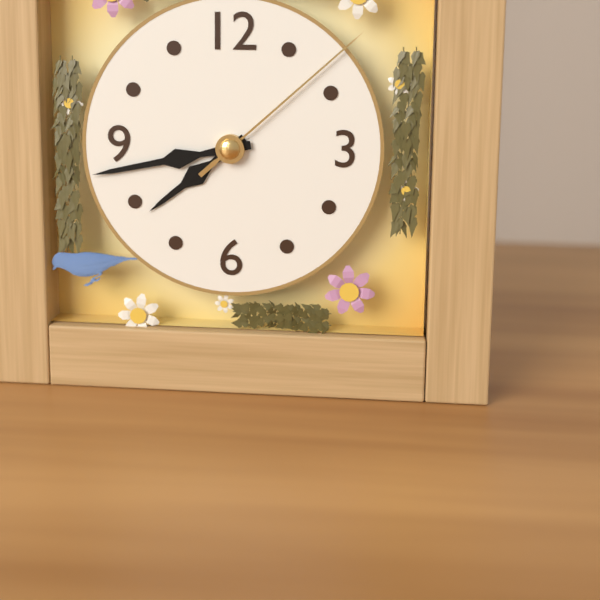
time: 7:43:08
